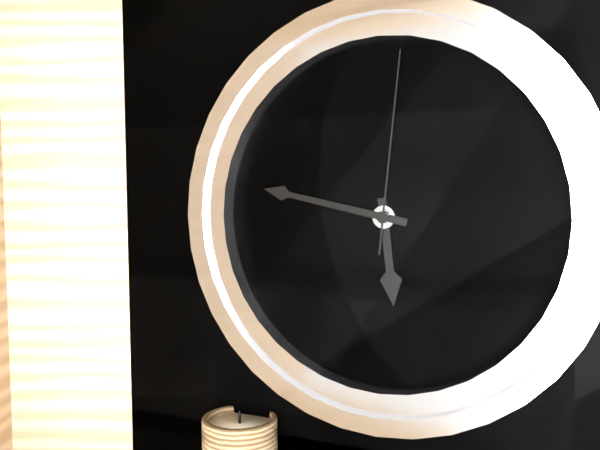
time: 5:47:01
